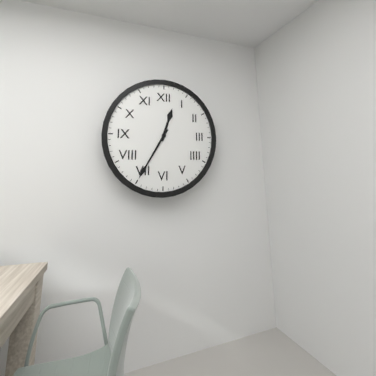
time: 12:35
